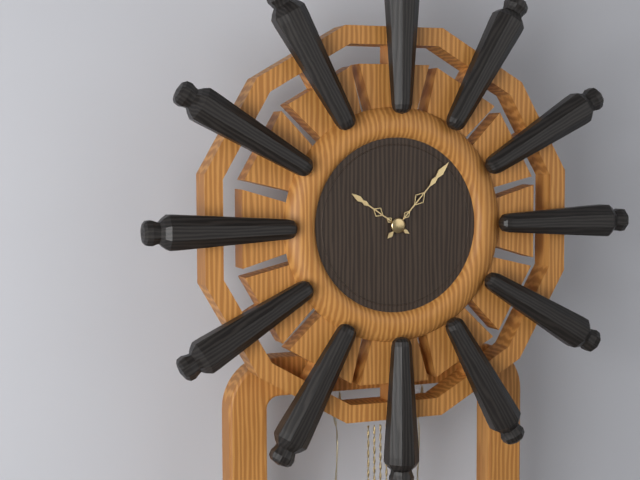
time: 10:07
